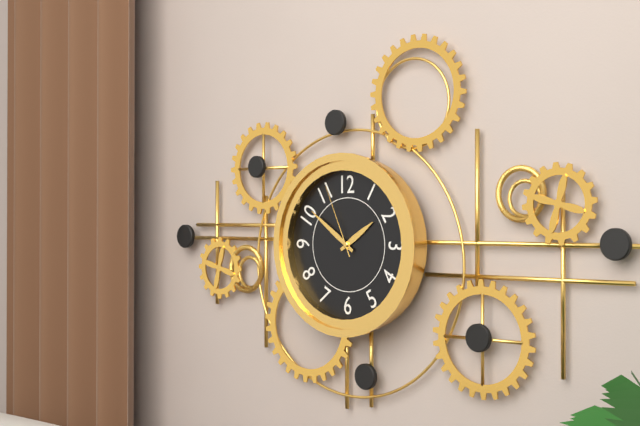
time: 1:51:56
